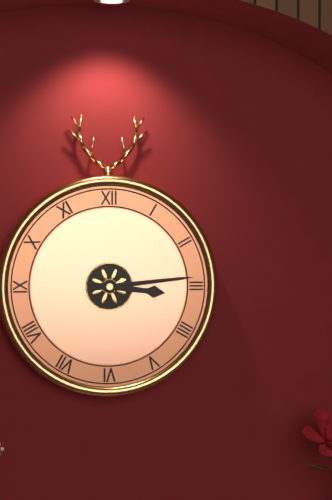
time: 3:14
